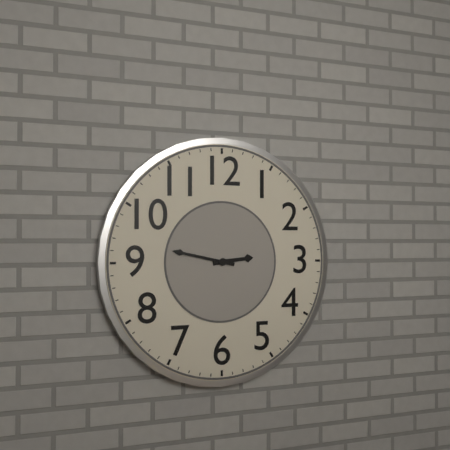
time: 2:47
